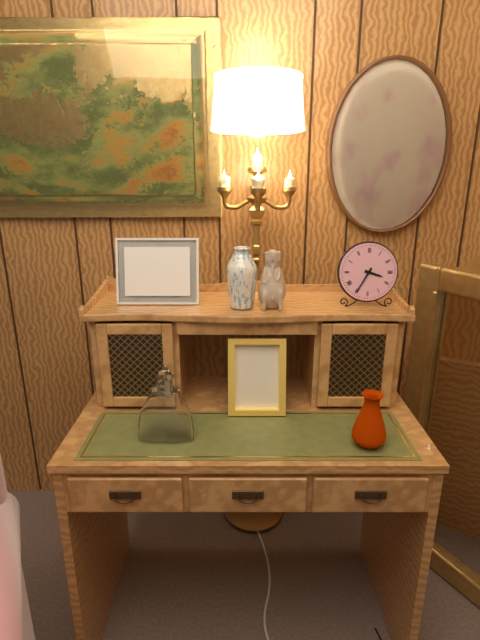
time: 3:35
